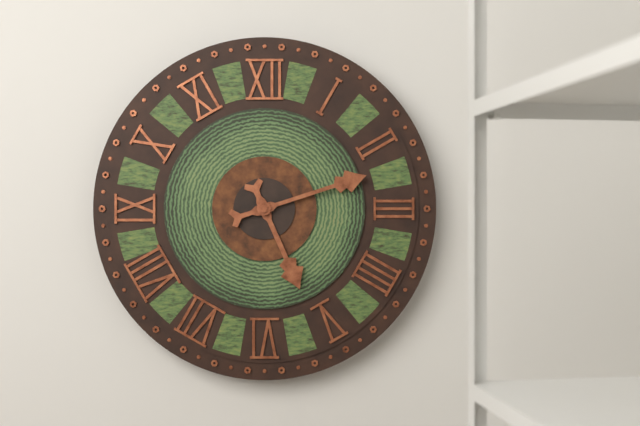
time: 5:12
